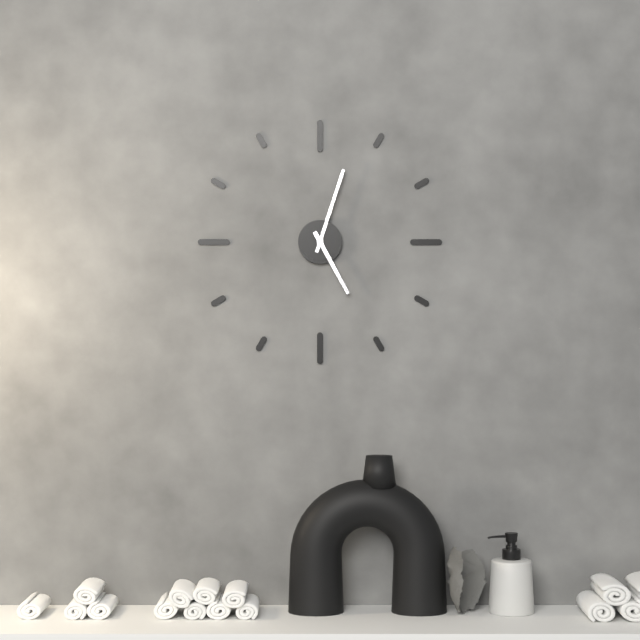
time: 5:03
